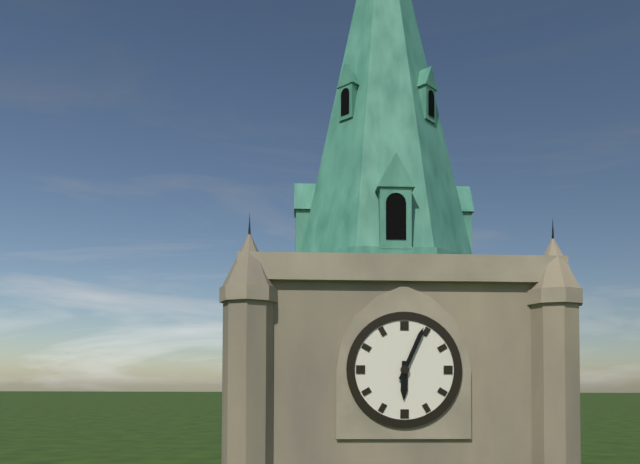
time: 6:04
